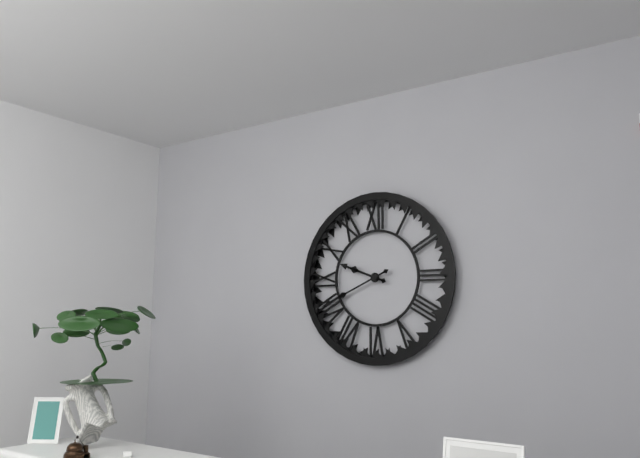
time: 9:41
